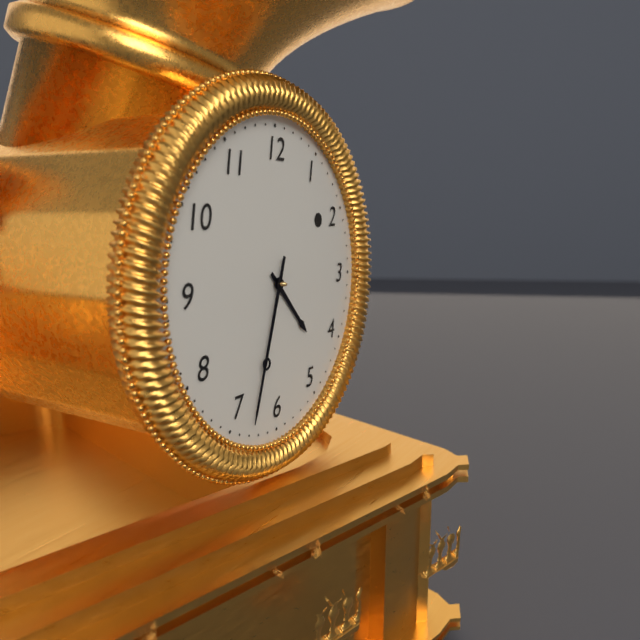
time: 4:33
